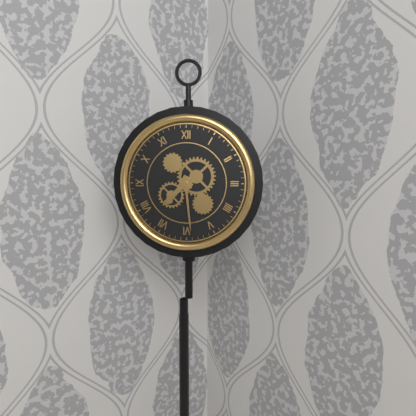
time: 7:29
